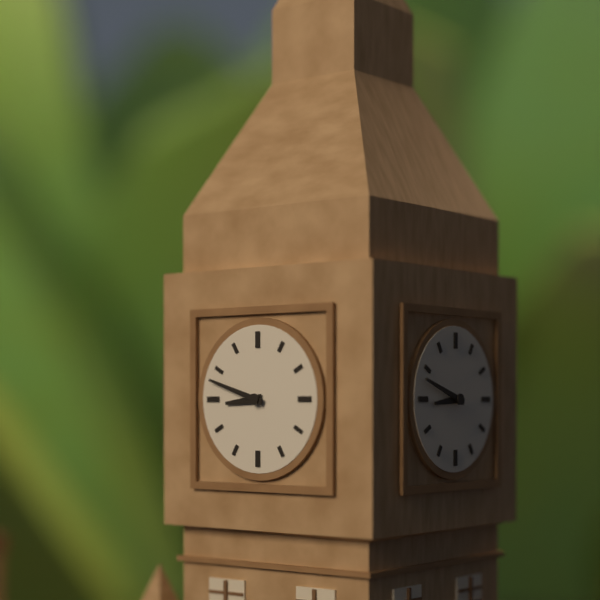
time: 8:48
